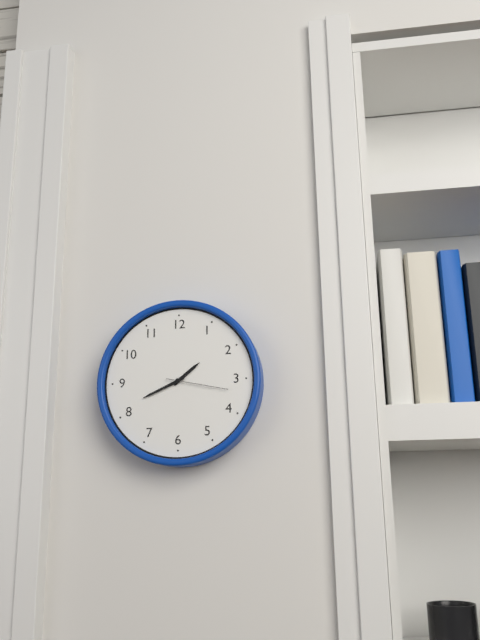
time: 1:41:17
